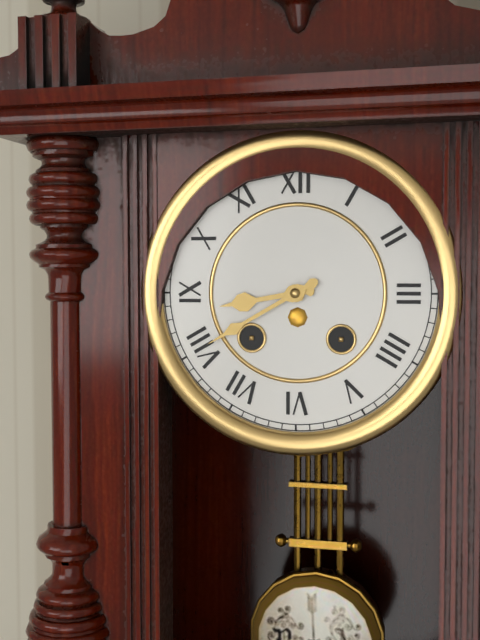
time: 8:40
